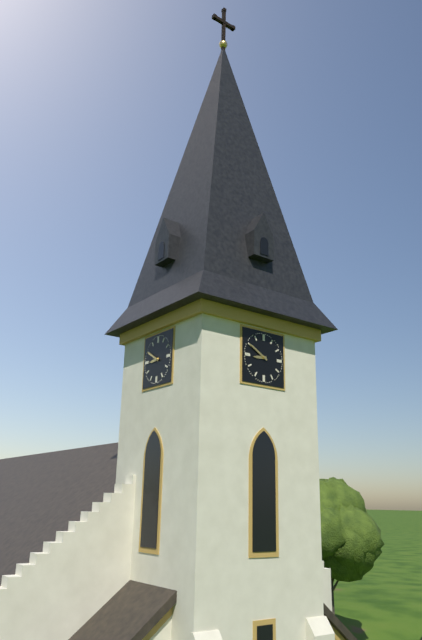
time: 8:50
